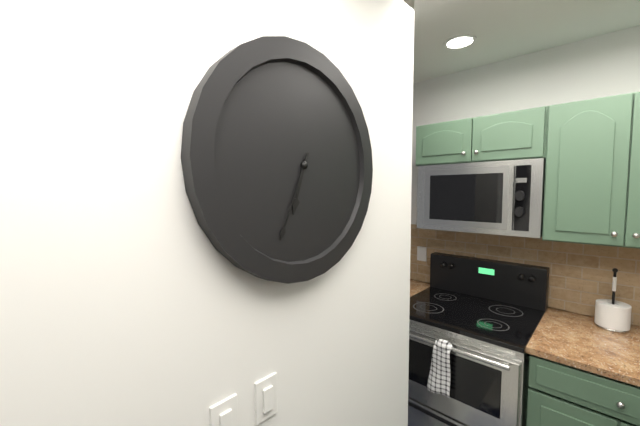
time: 6:34
